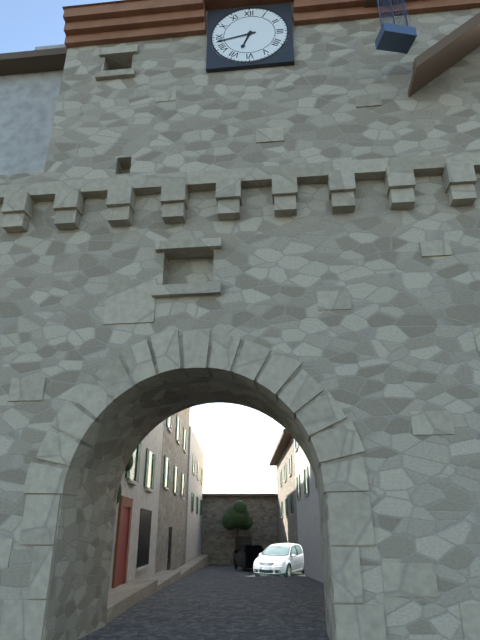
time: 6:43
